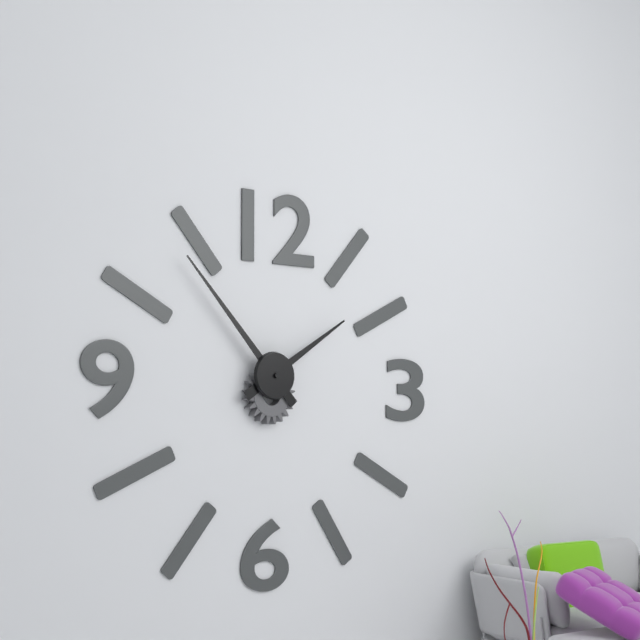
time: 1:53
